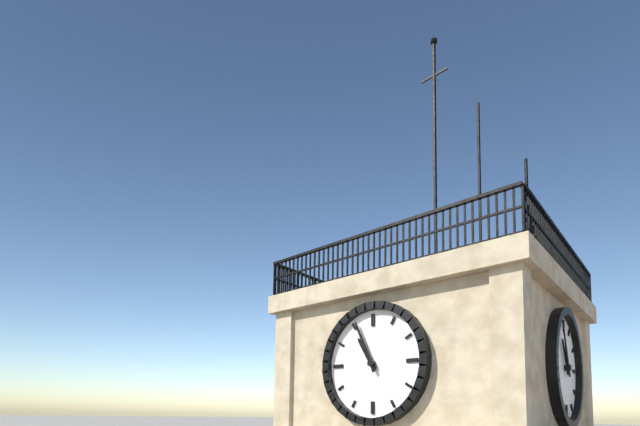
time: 10:56
